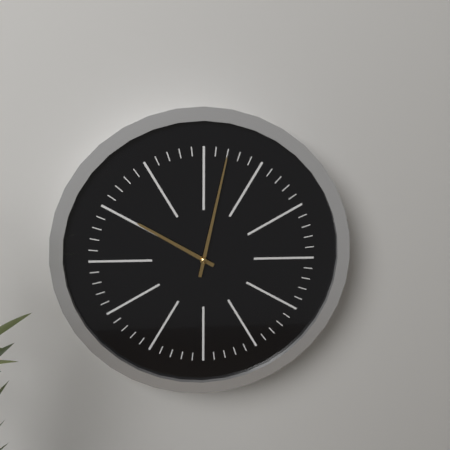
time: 10:02
